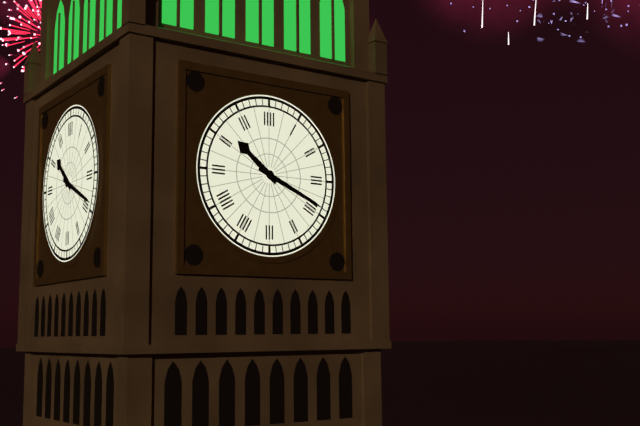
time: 10:19
